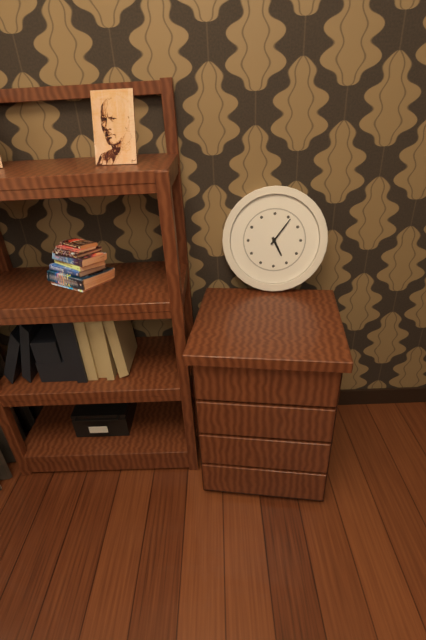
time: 5:06
